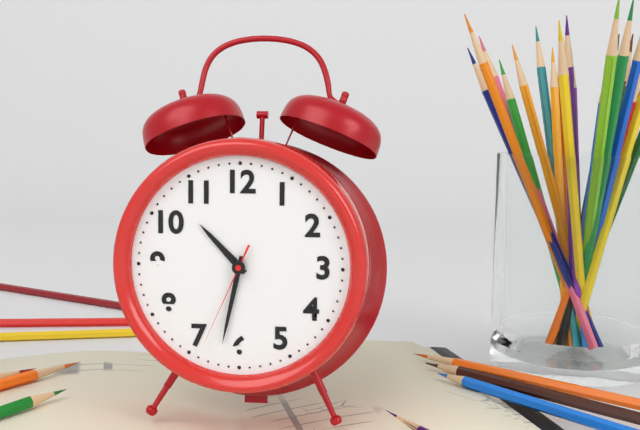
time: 10:32:34
